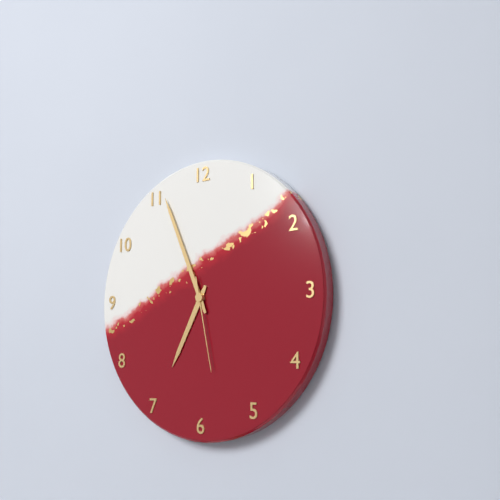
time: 6:56:28
